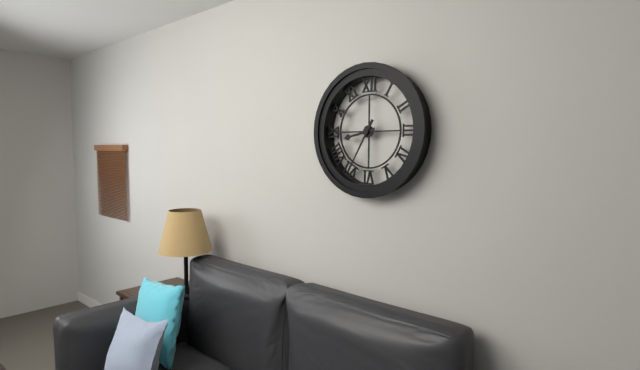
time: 8:35
